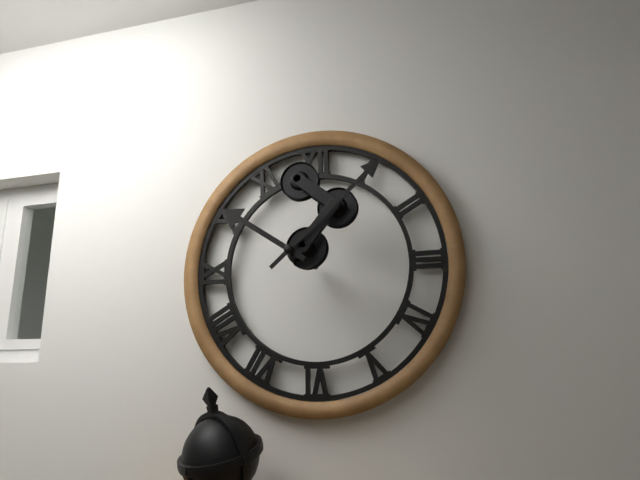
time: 10:08
